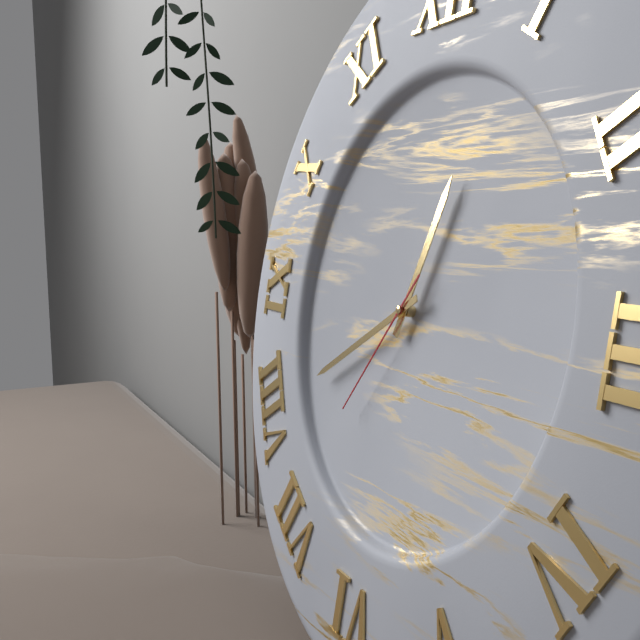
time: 12:40:36
